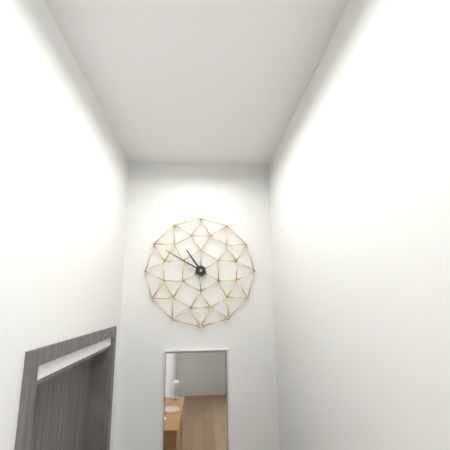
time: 10:50
